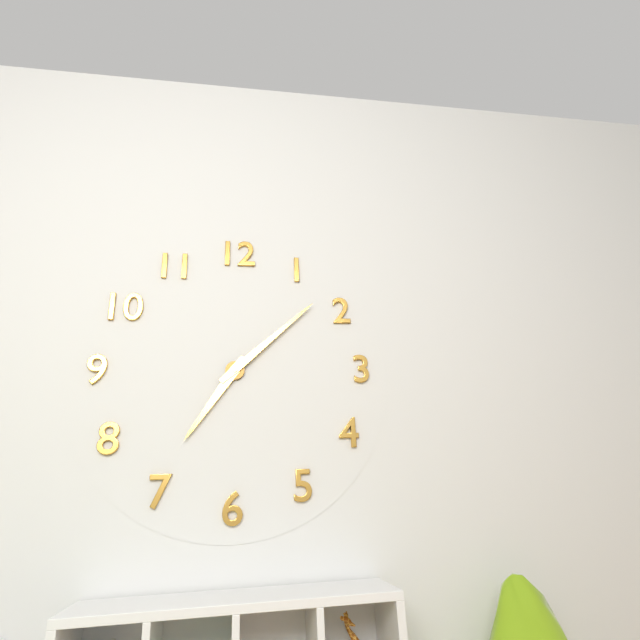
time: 7:08
